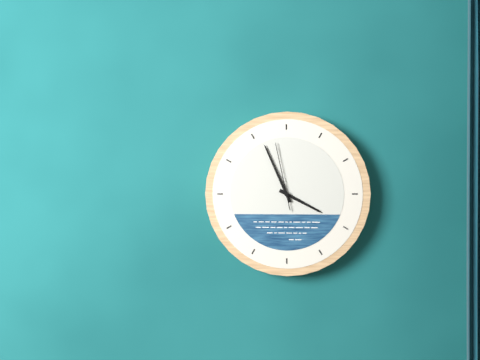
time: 3:56:58
